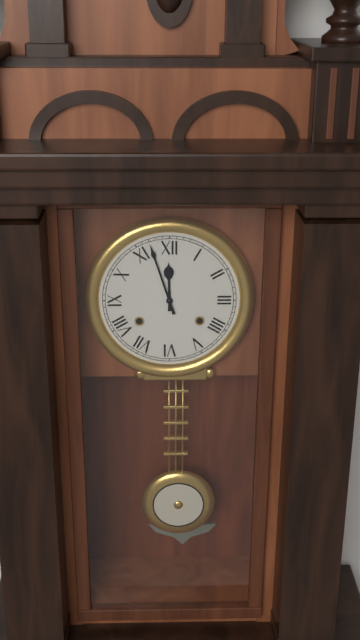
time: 11:57
